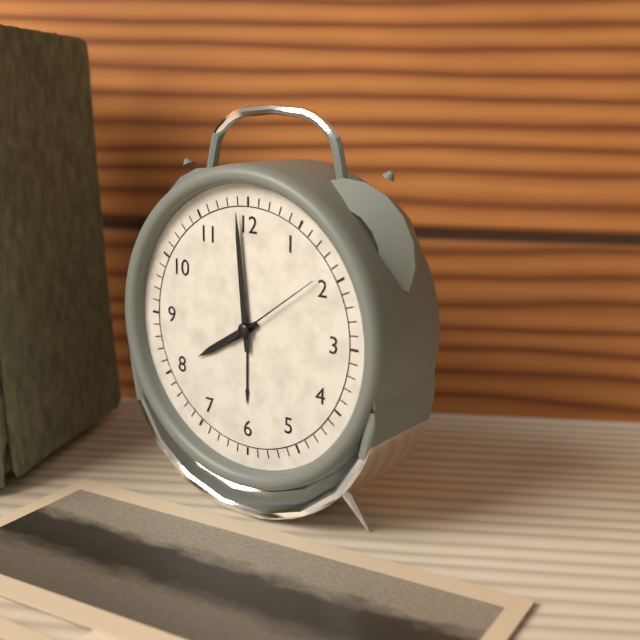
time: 7:59:09
